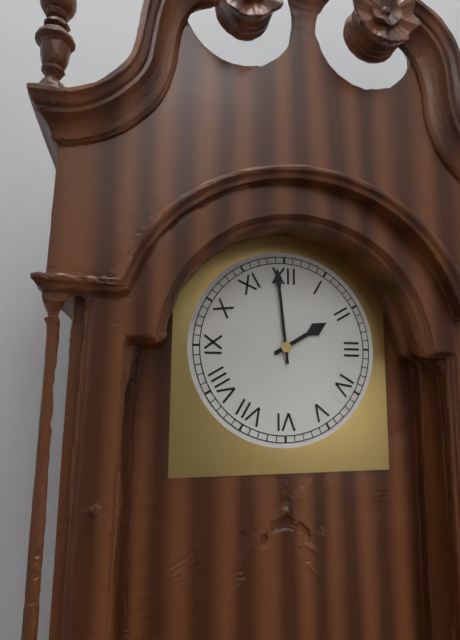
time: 1:59
